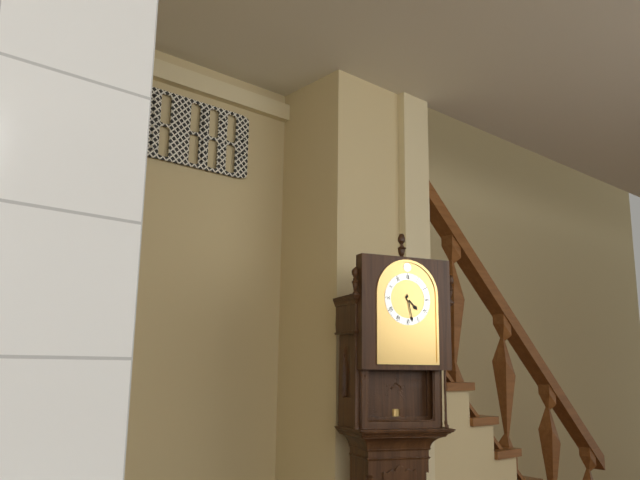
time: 4:28
